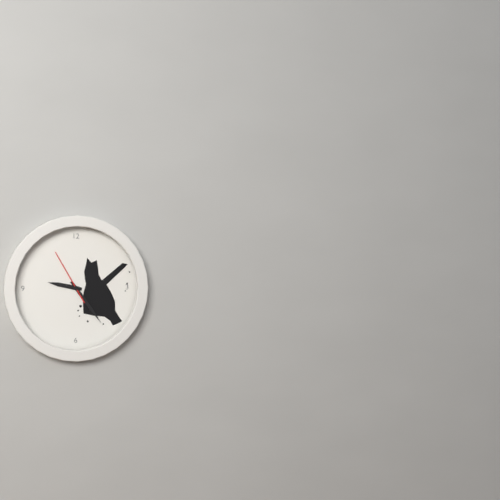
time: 9:24:55
